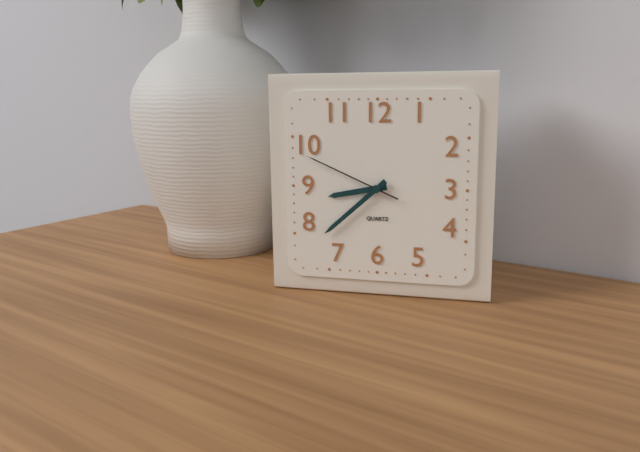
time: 8:38:49
